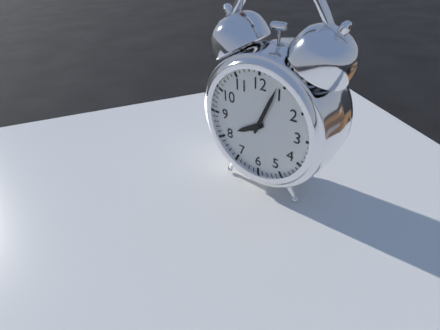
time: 8:04
